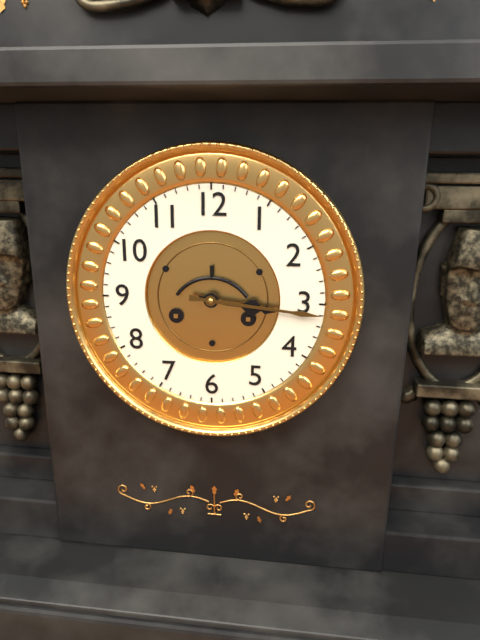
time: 3:16
